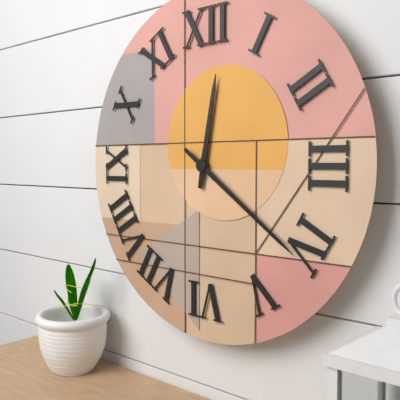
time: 12:21
